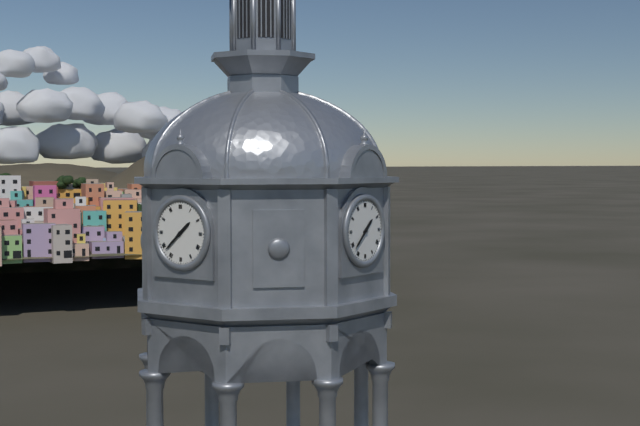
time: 1:38
